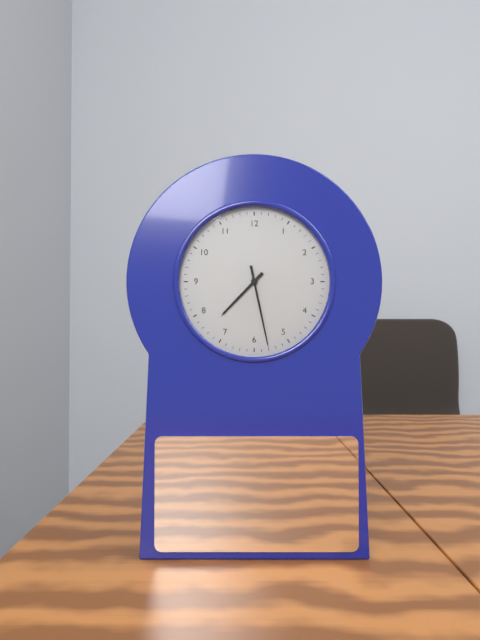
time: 7:28
